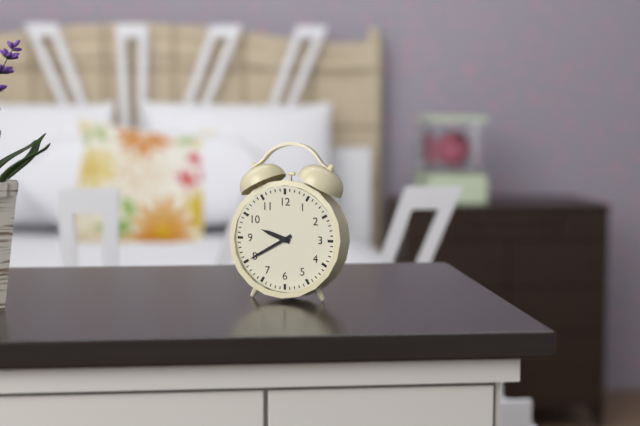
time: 9:40
